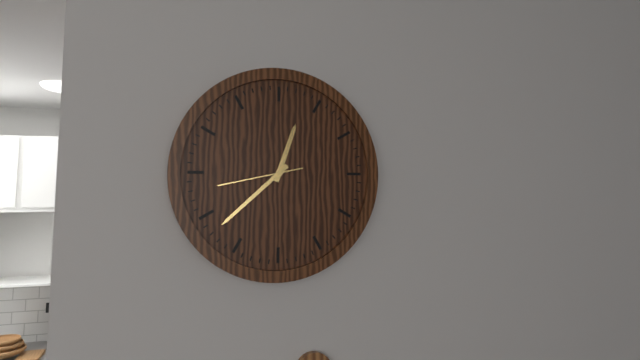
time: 12:38:43
